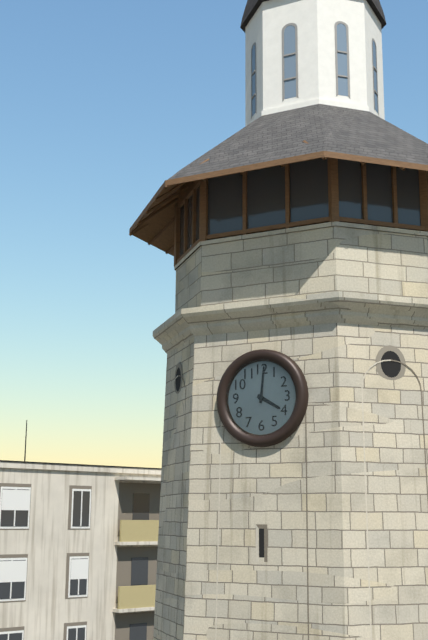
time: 4:01
